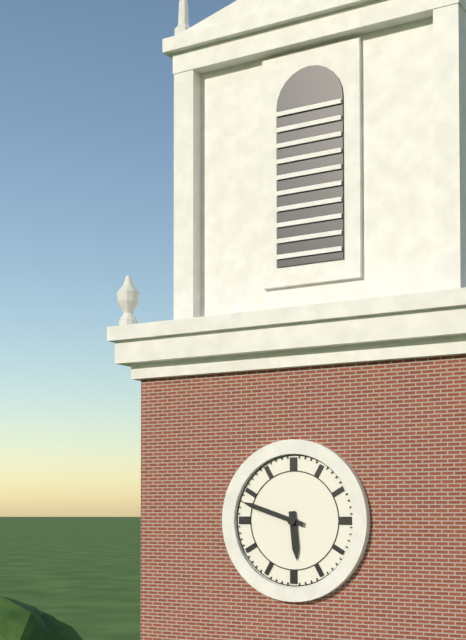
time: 5:48
